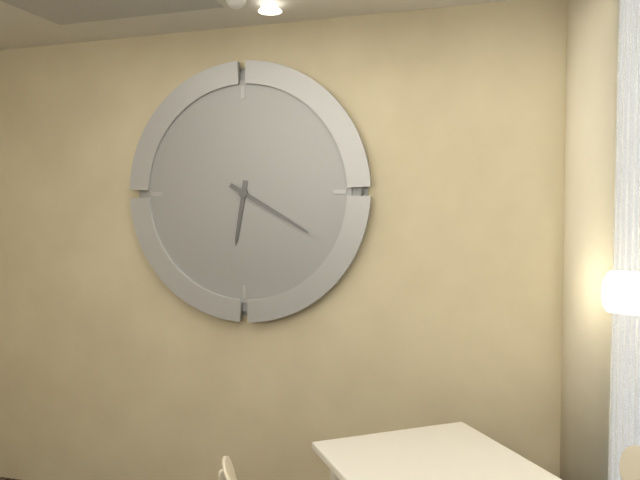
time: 6:20
